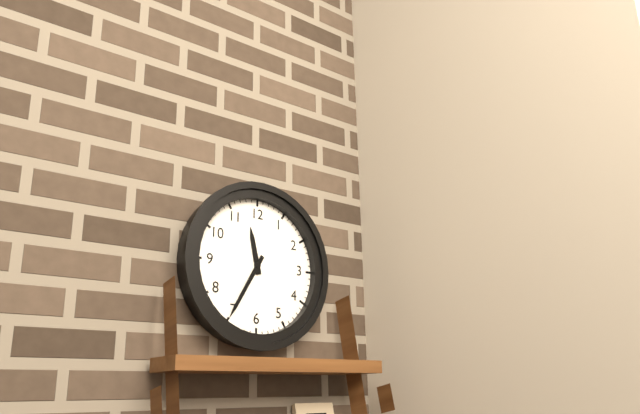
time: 11:35
